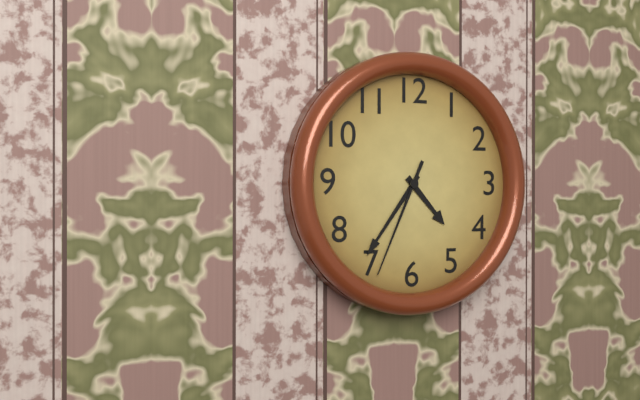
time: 4:36:34
